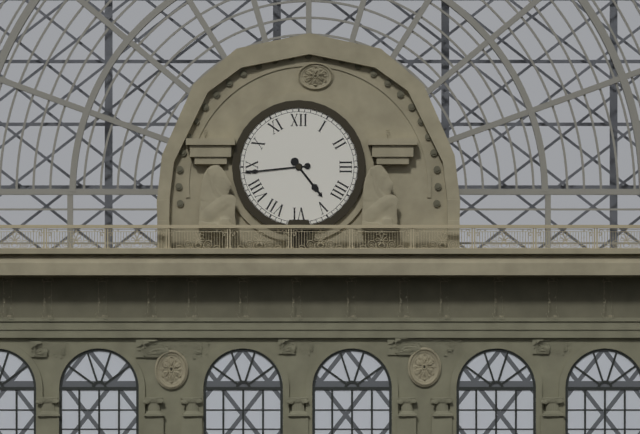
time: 4:44
